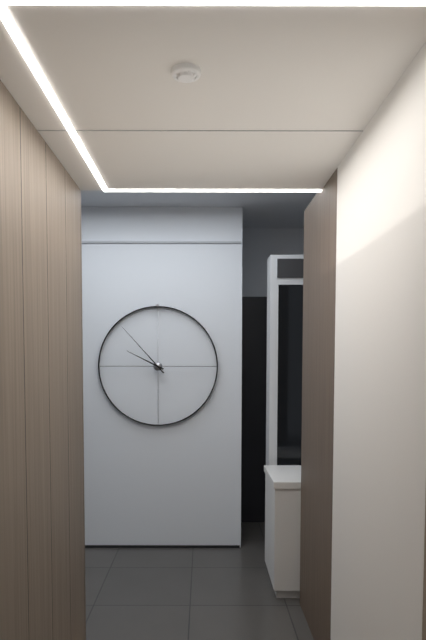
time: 9:53
